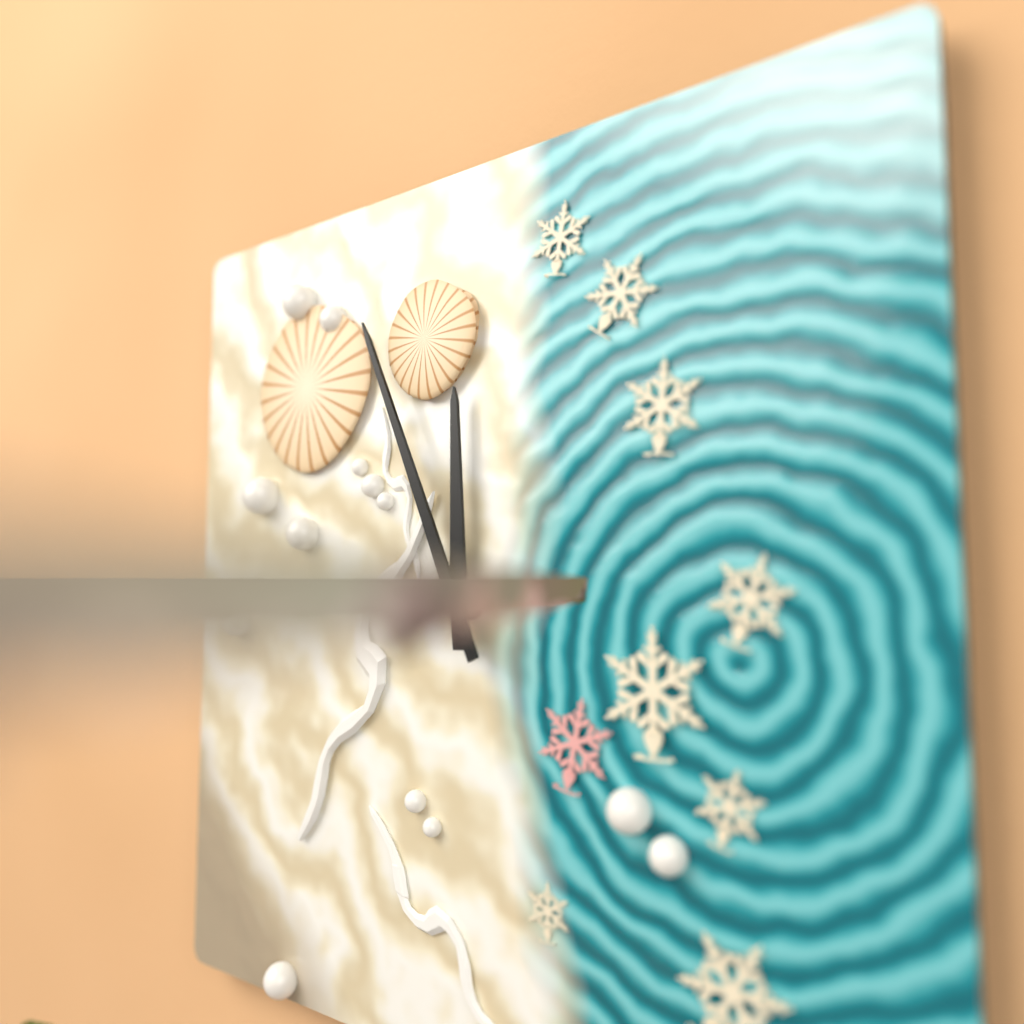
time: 11:56
